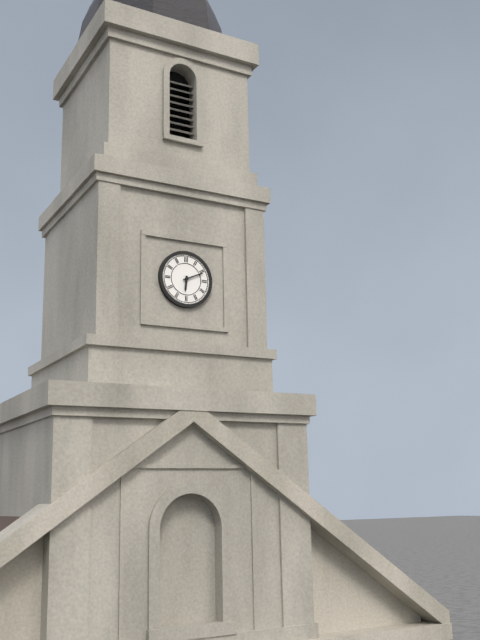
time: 6:11
